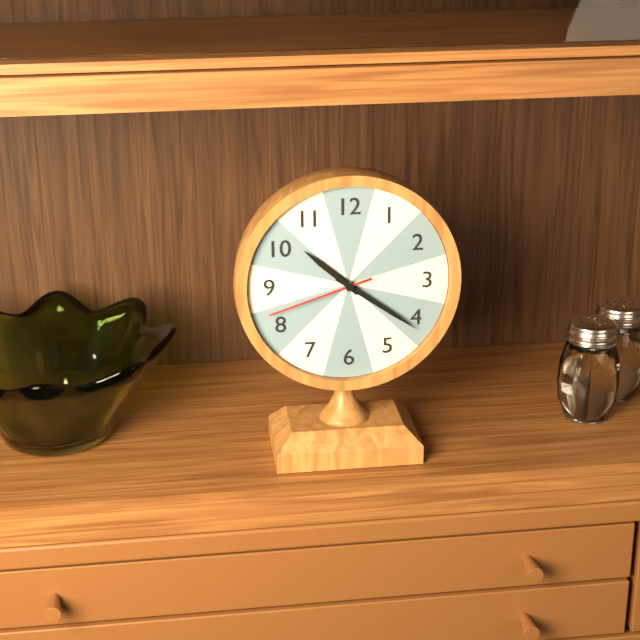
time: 10:21:42
